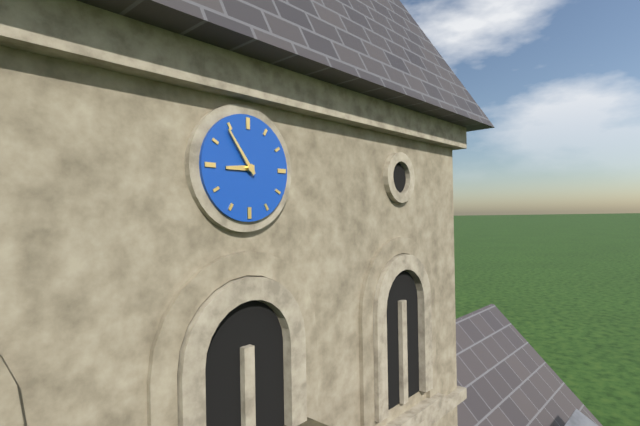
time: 8:54
